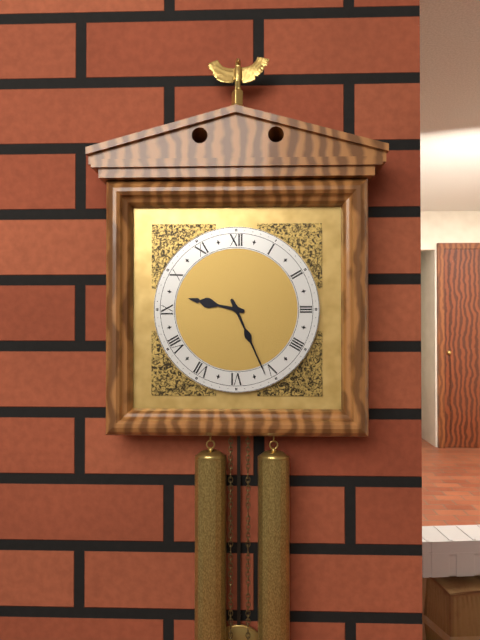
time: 9:26
